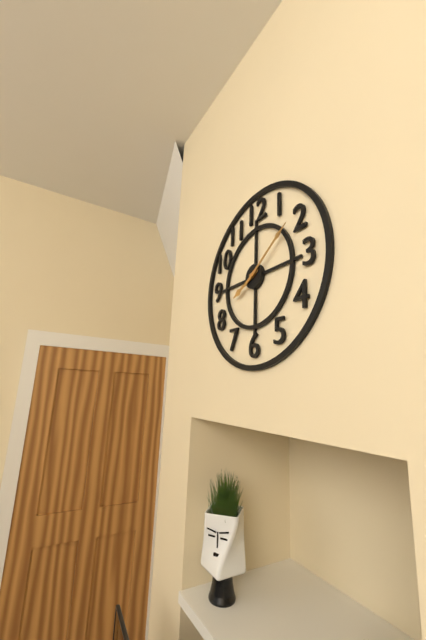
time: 8:09
